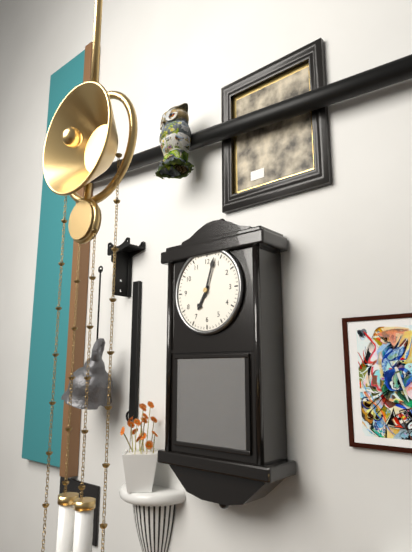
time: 7:03
